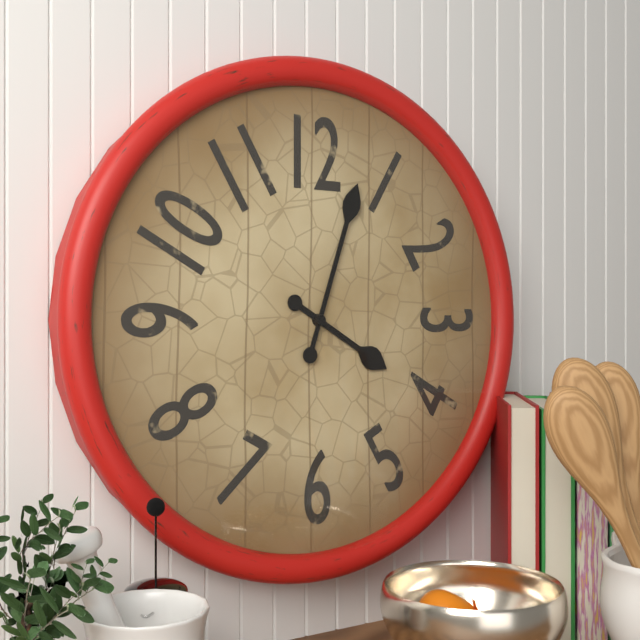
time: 4:03
